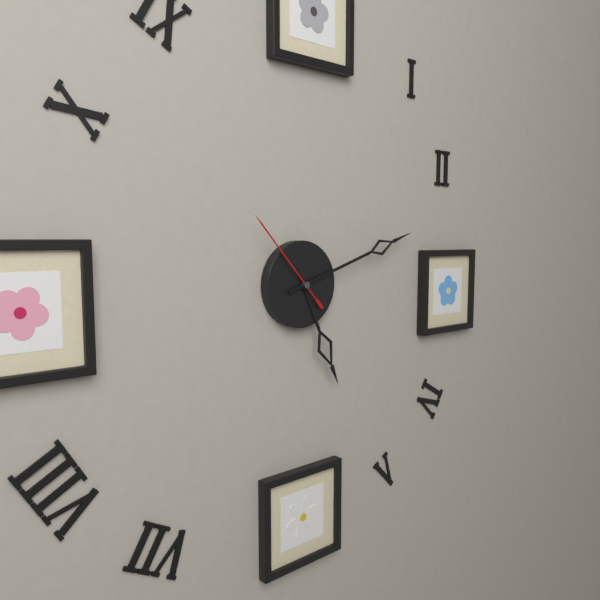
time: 5:12:53
